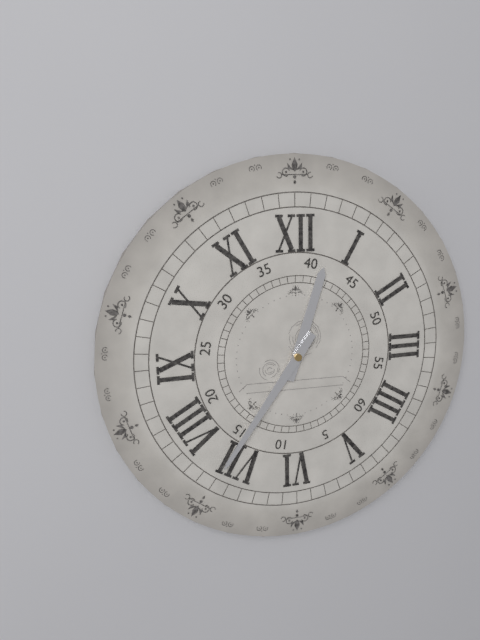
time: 12:36
